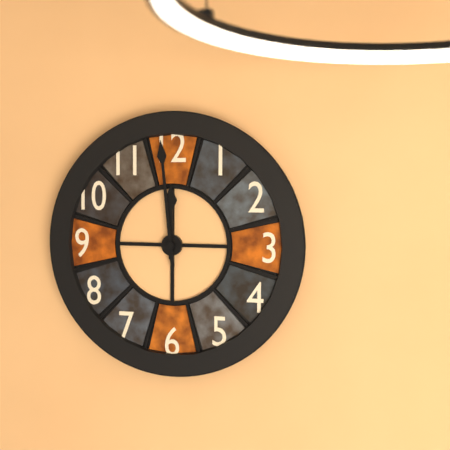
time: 11:59
